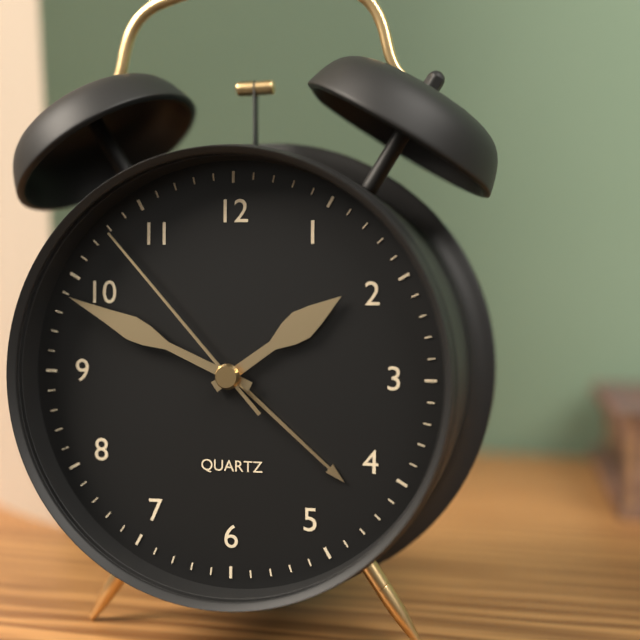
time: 1:49:53
